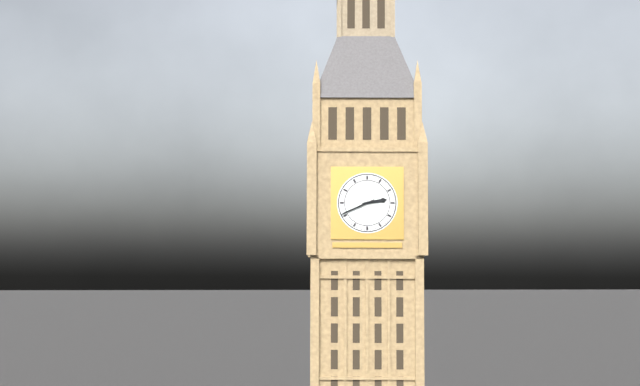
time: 2:41
